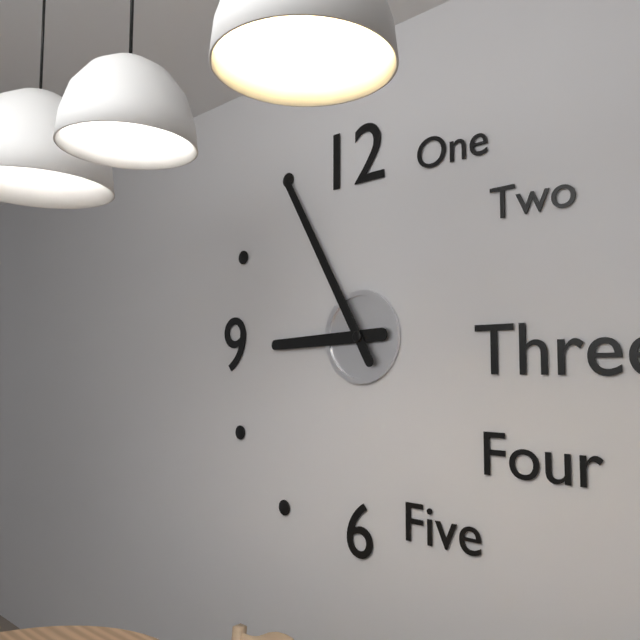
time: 8:55
